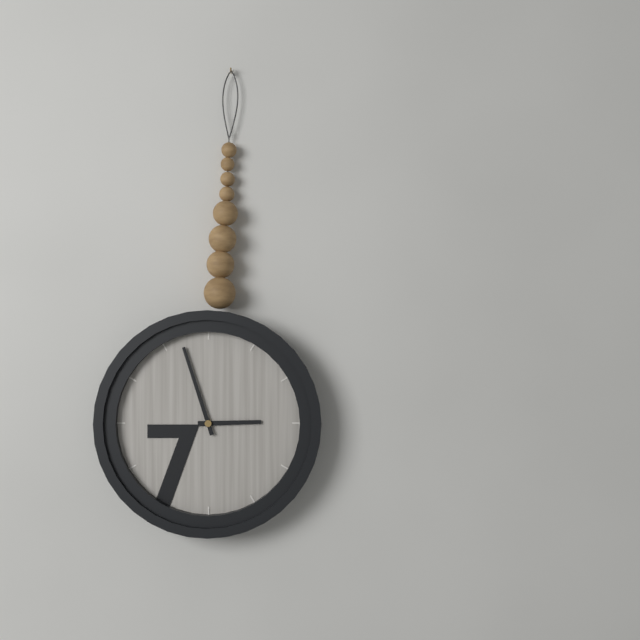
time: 2:57
